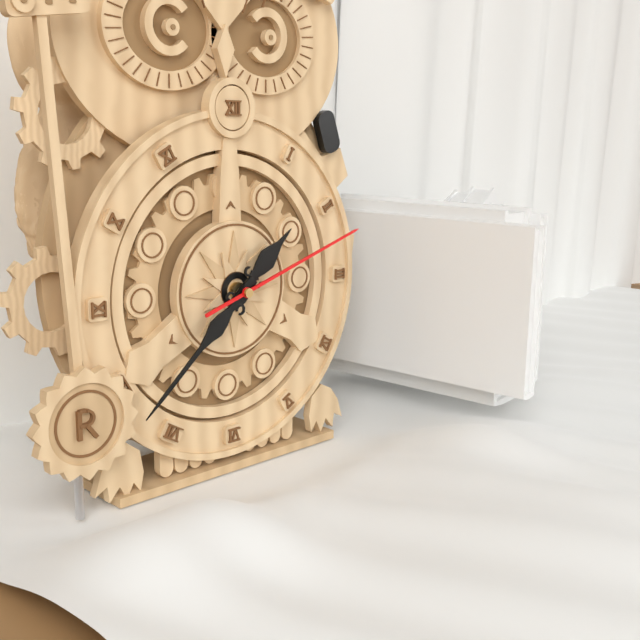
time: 1:38:12
